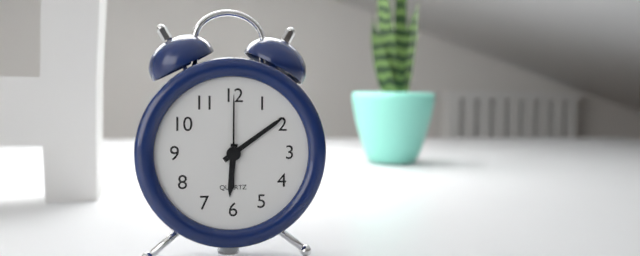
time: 6:09:00
